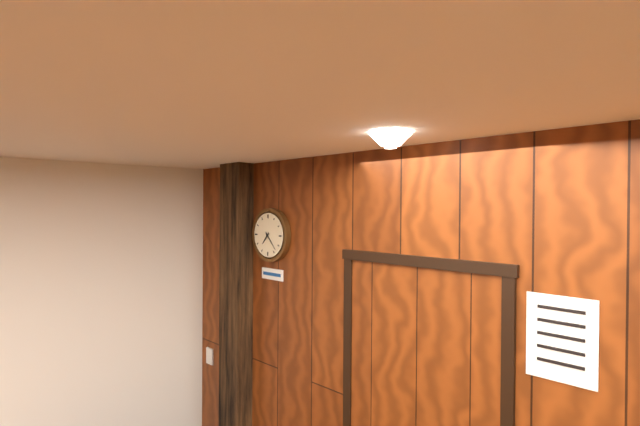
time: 7:23
